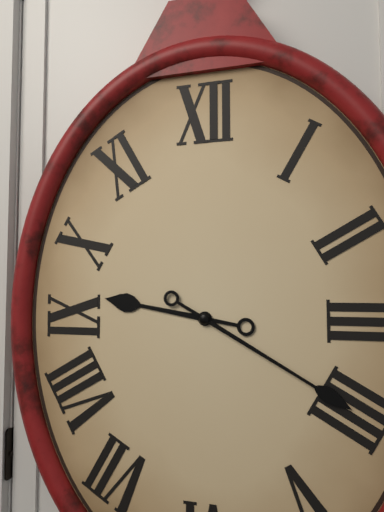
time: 9:20
